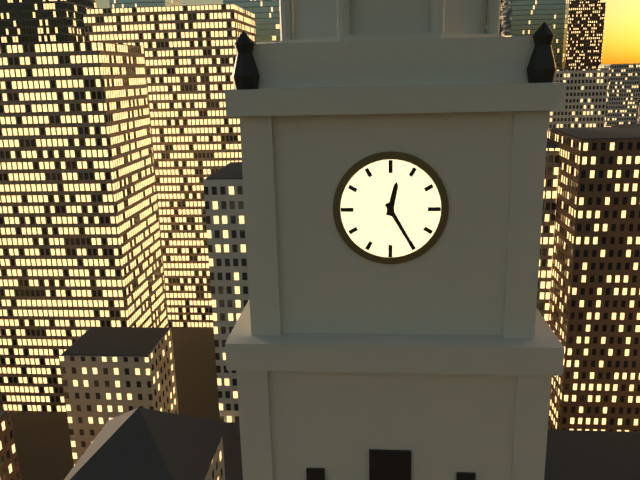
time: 12:25
